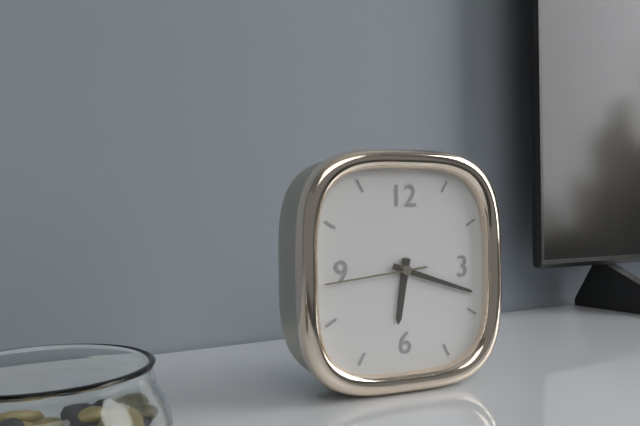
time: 6:18:44
